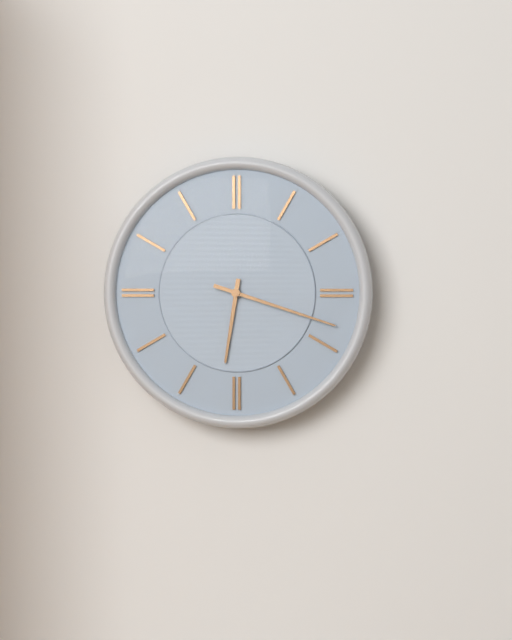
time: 6:18
